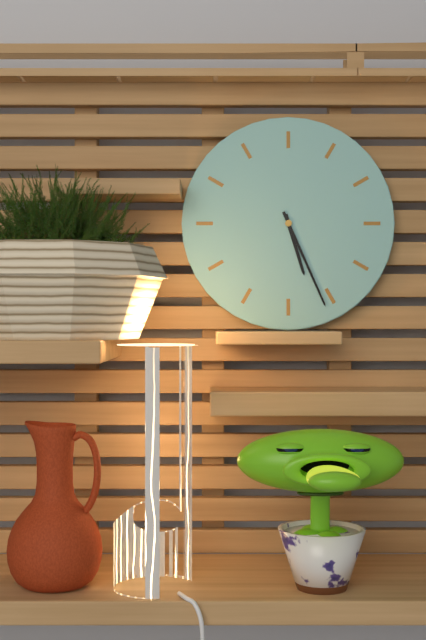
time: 5:26
